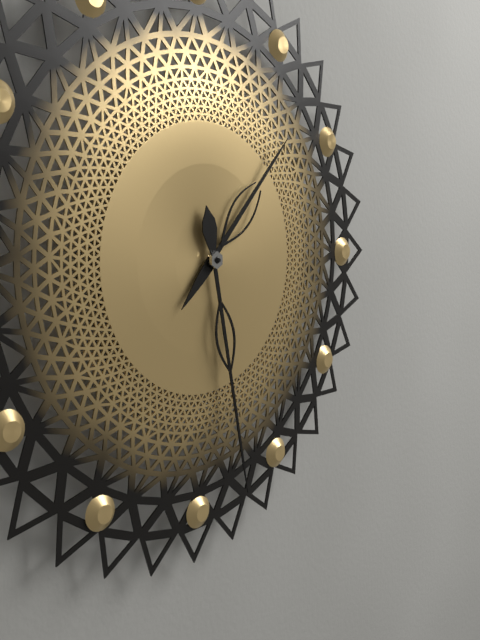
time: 1:28
